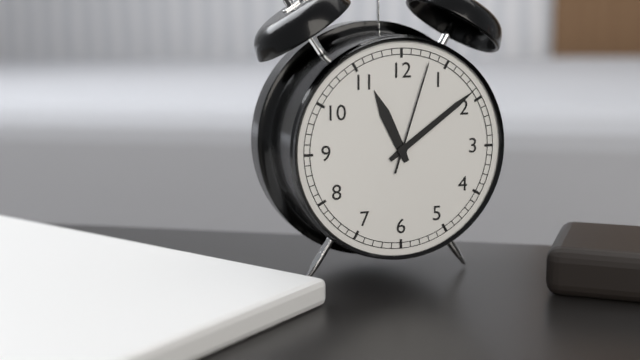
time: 11:09:03
